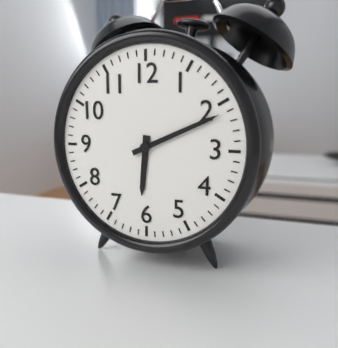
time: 6:11
